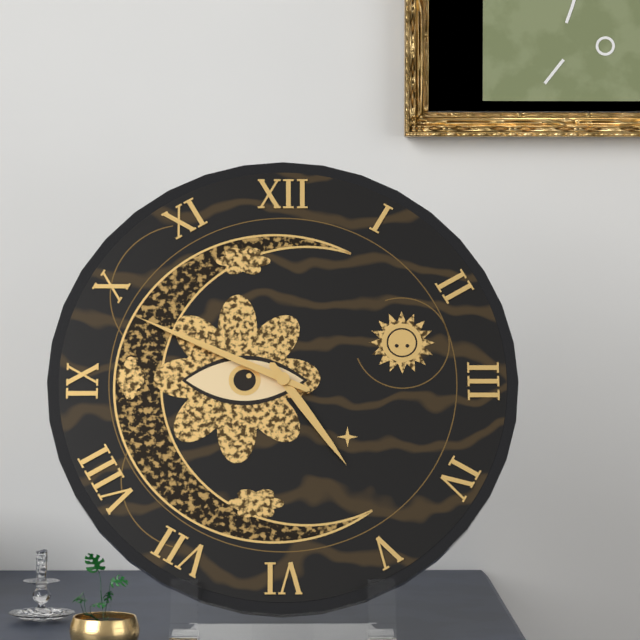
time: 4:49
